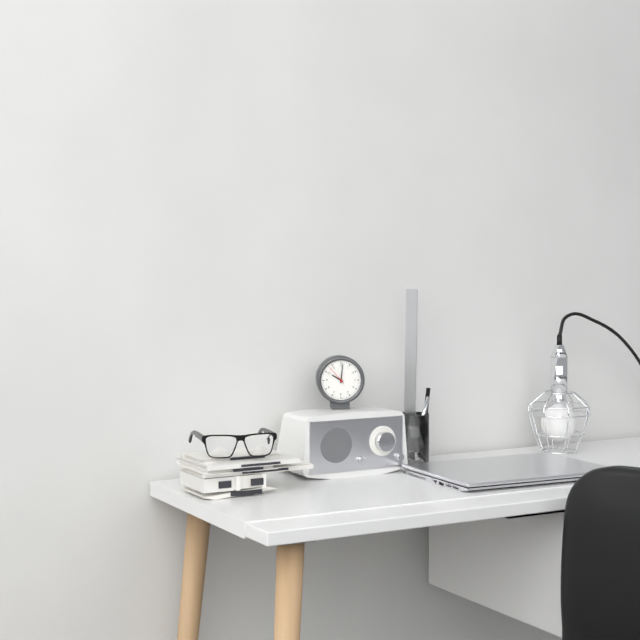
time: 10:01
